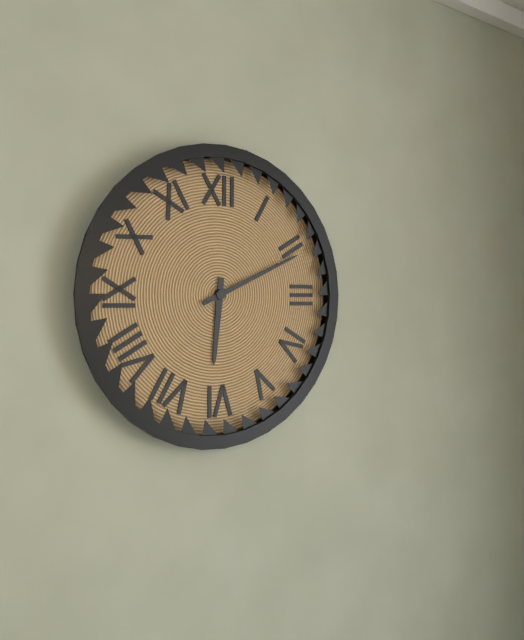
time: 6:11
